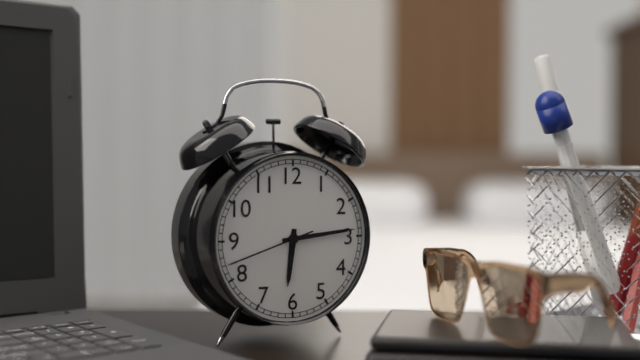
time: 6:14:42
